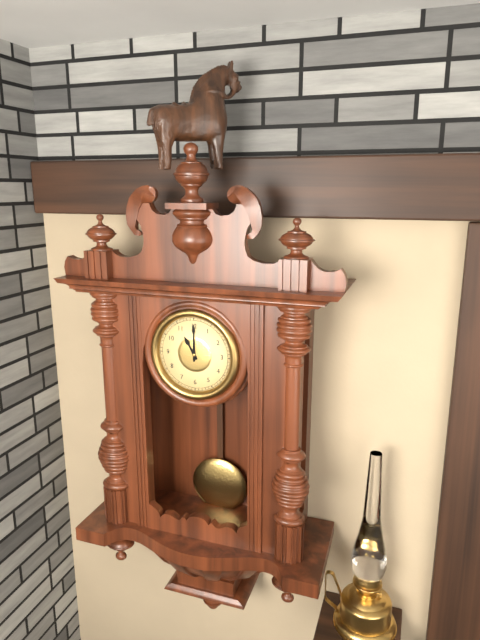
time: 11:00
